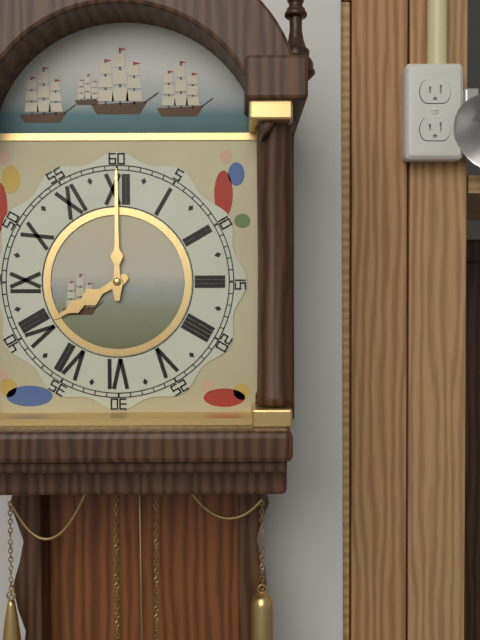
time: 8:00
